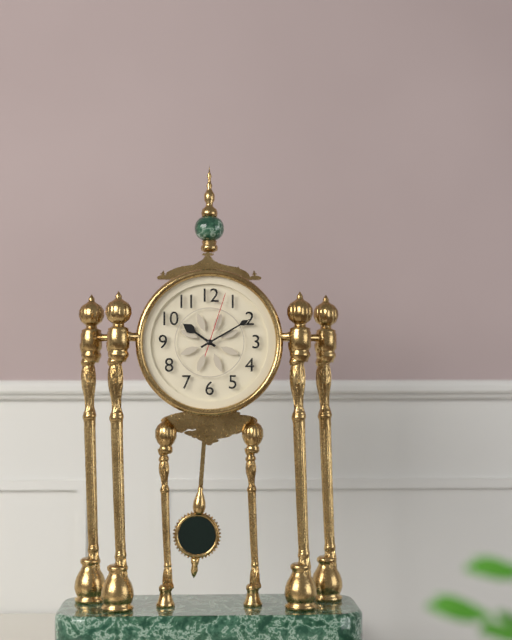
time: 10:10:03
